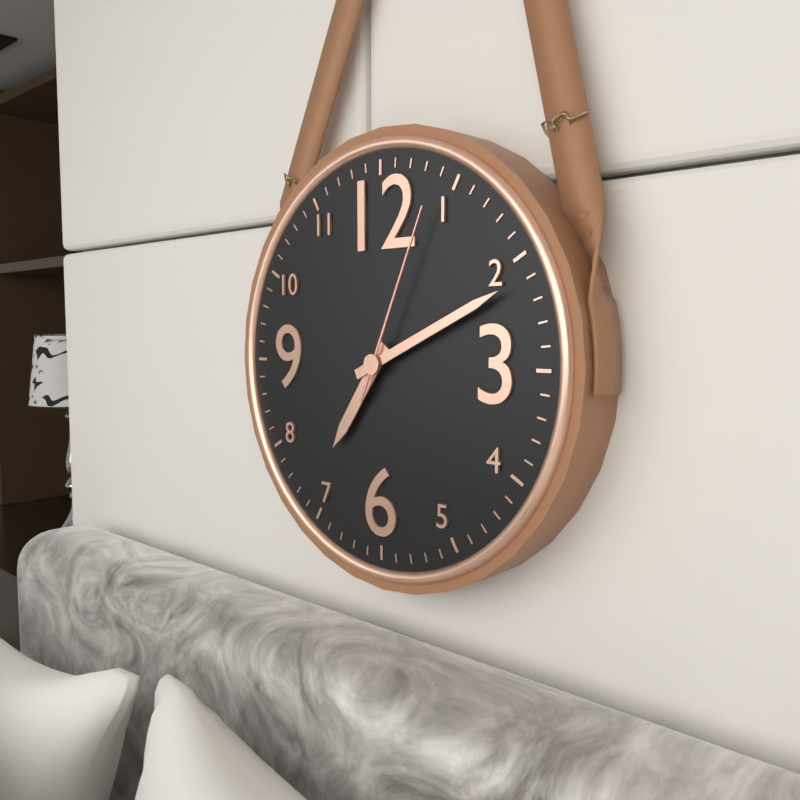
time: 7:11:04
